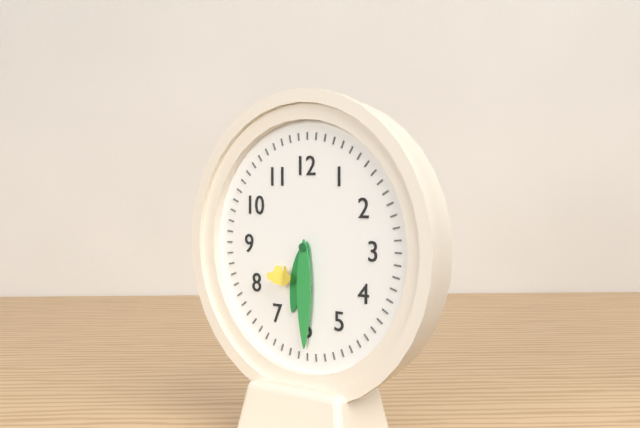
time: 6:30
